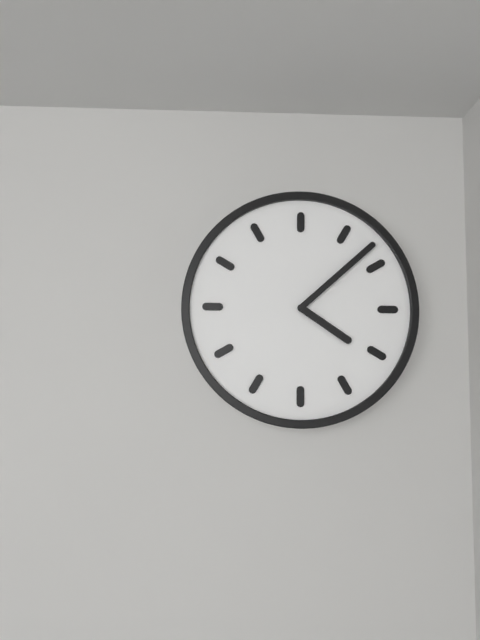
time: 4:08
